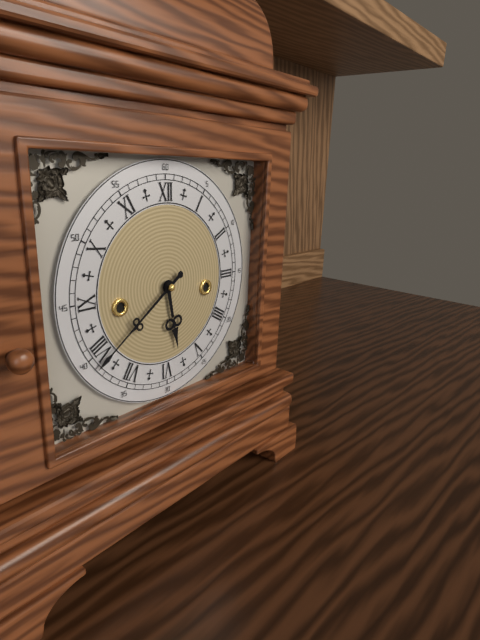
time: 5:39
